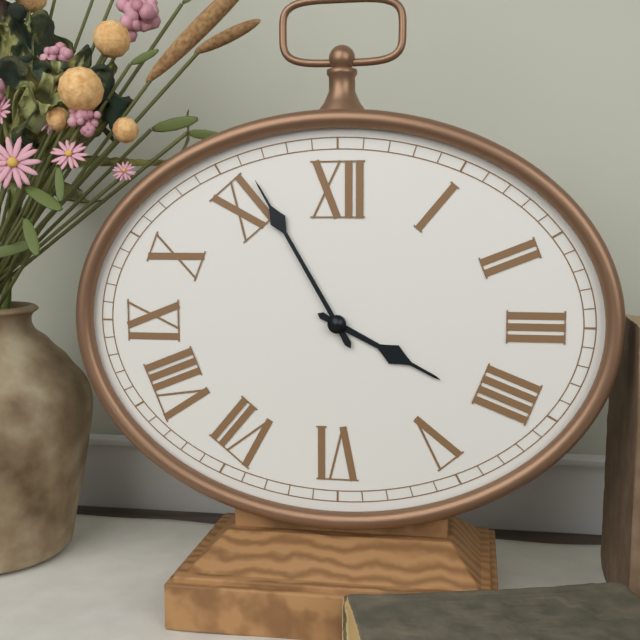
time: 3:55
